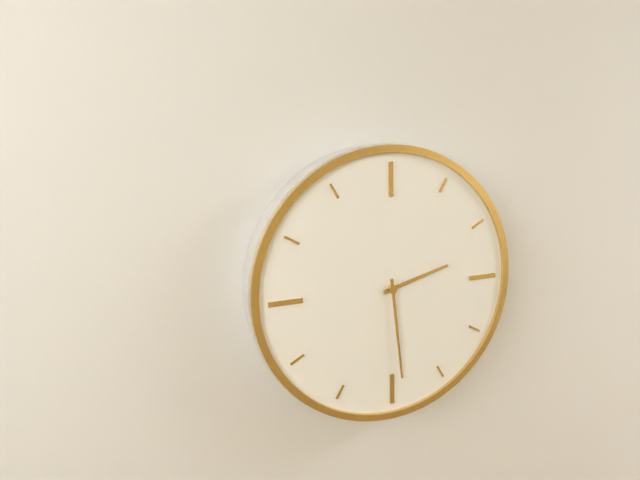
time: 2:29
